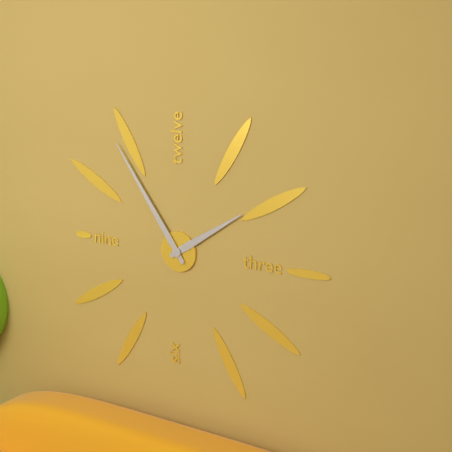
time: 1:54
